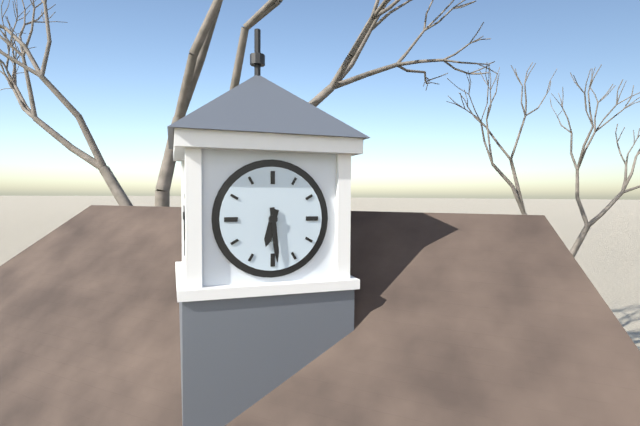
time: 6:29
